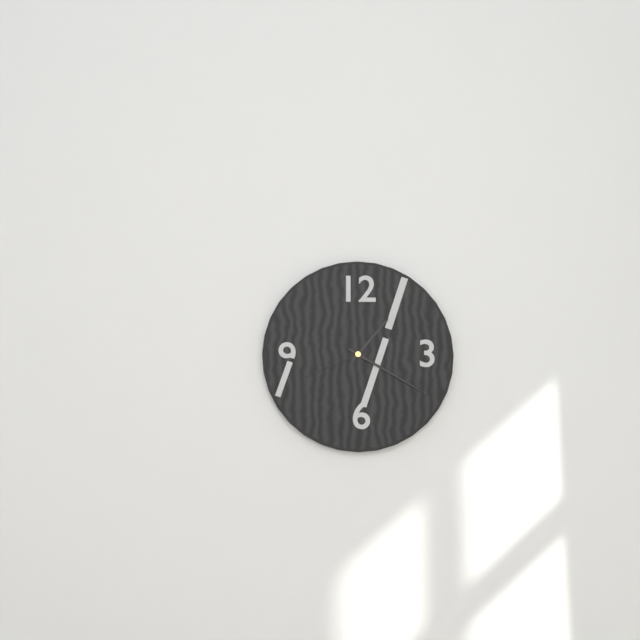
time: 1:20:41
